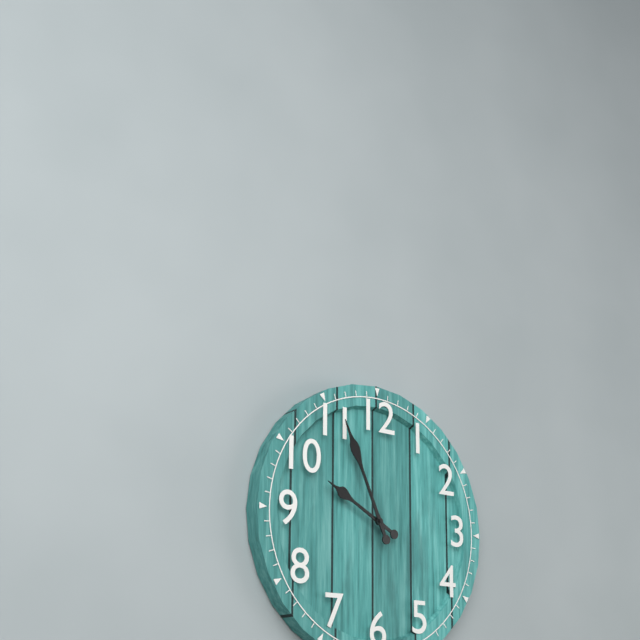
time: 9:56
